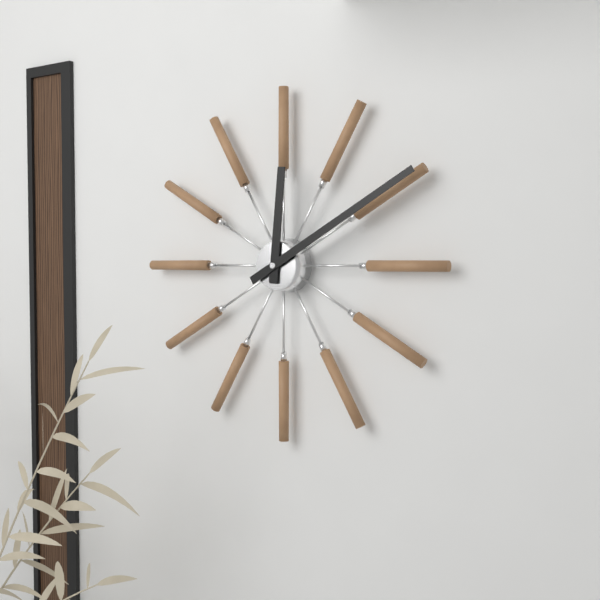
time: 12:10
